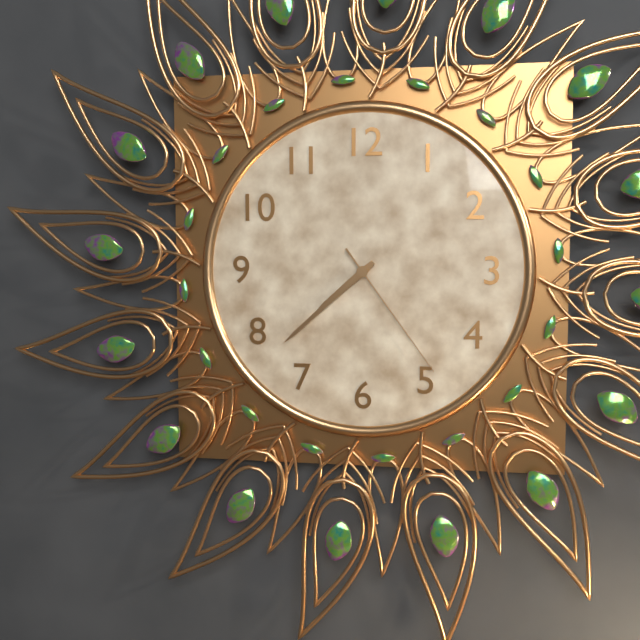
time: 7:38:24
